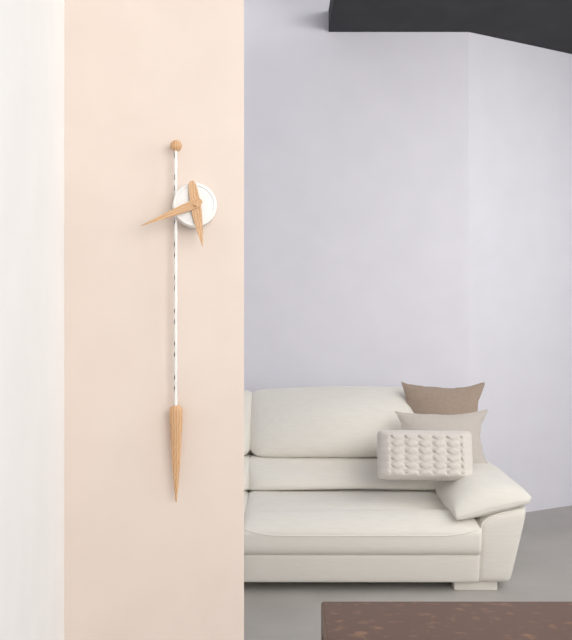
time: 5:41
